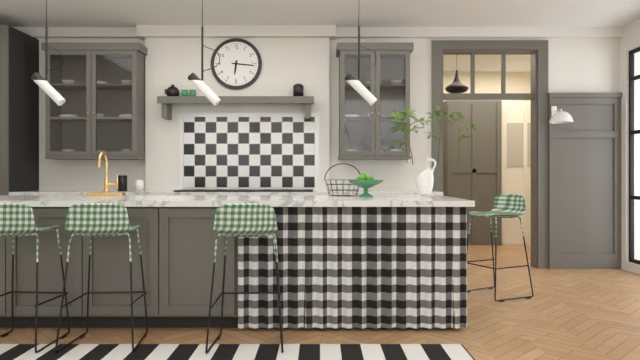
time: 6:16
